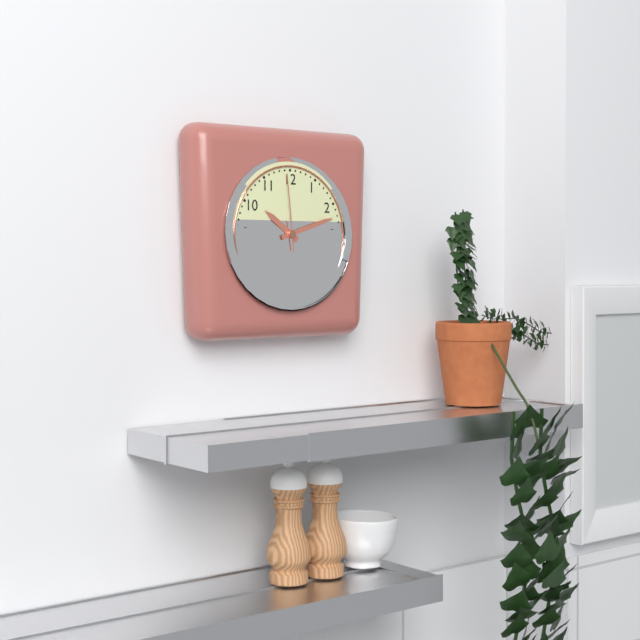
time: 10:12:59
